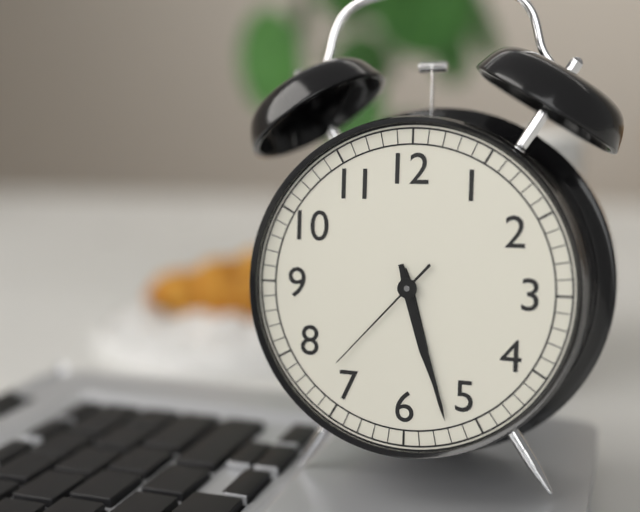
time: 5:27:37
